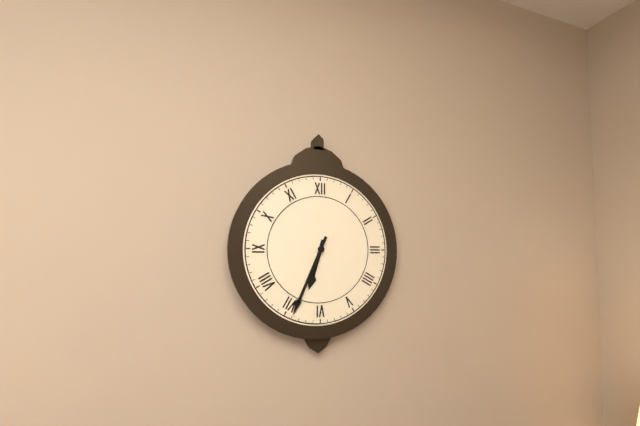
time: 6:34
